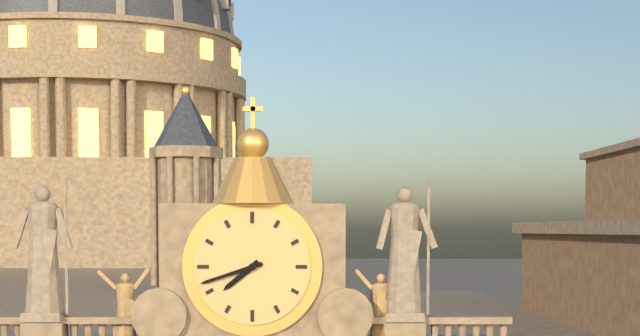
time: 7:42
